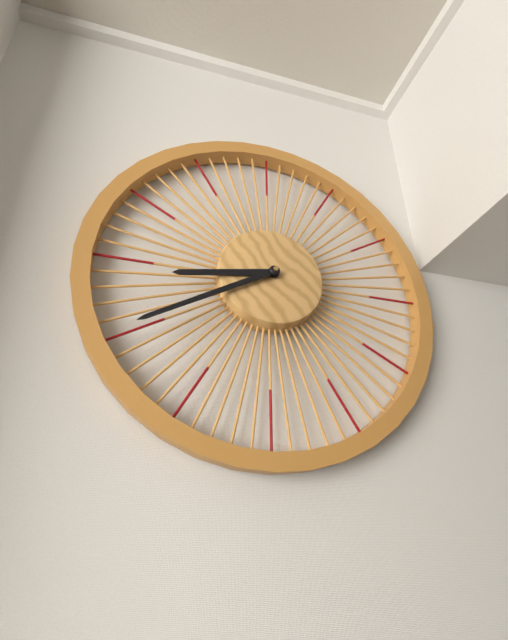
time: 8:40
